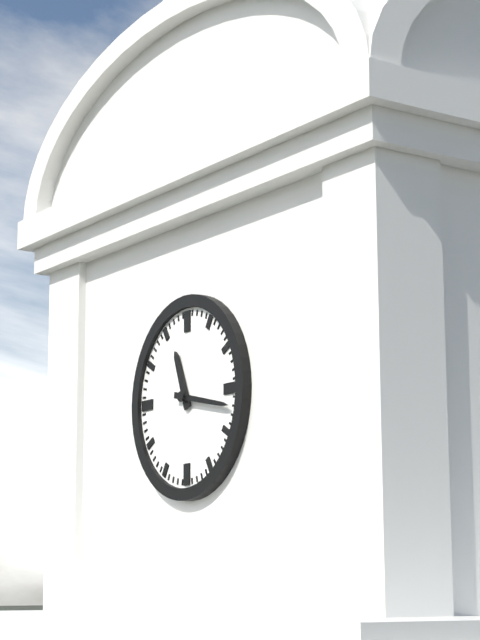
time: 11:17
